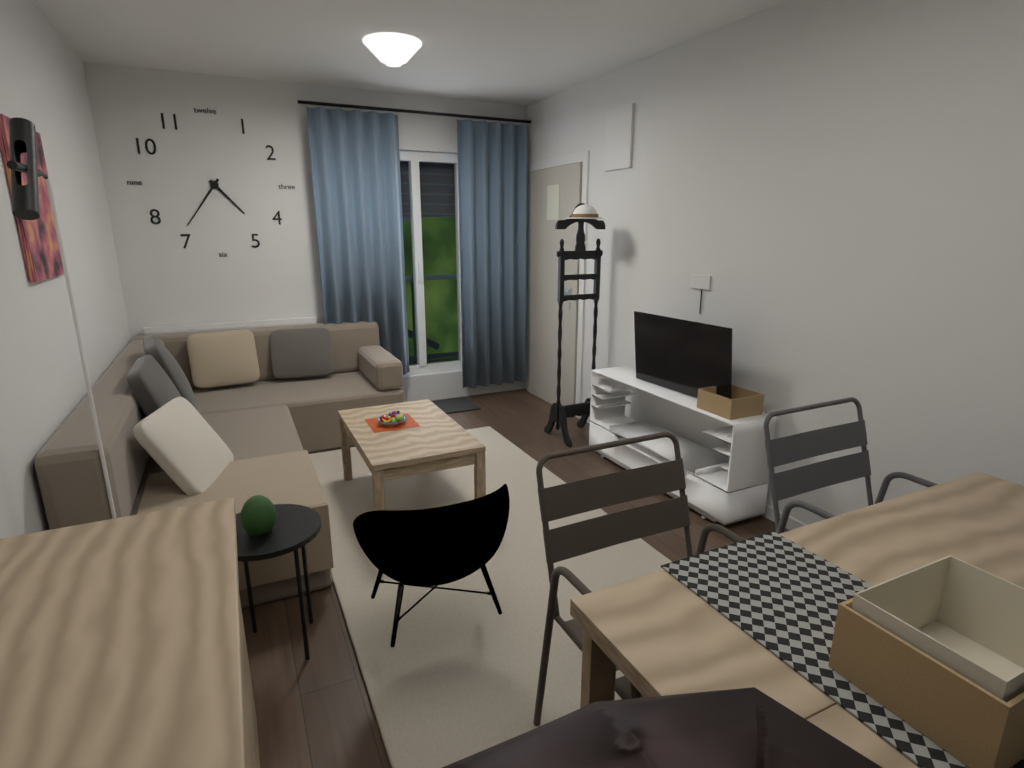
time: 4:36
